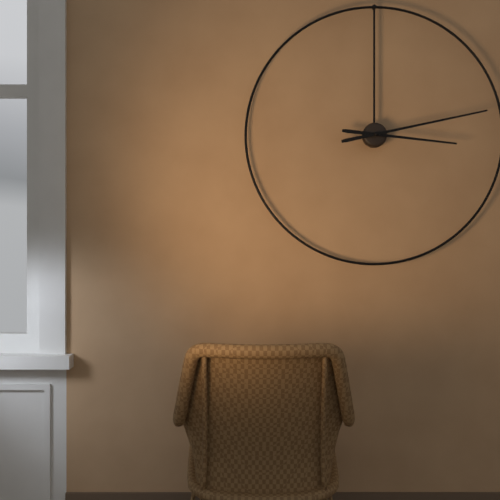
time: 3:13
